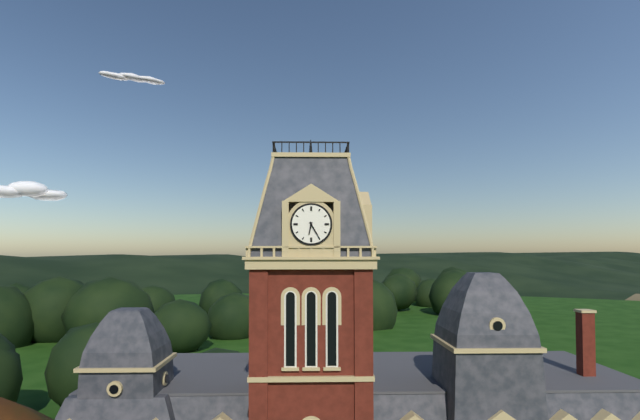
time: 6:25
